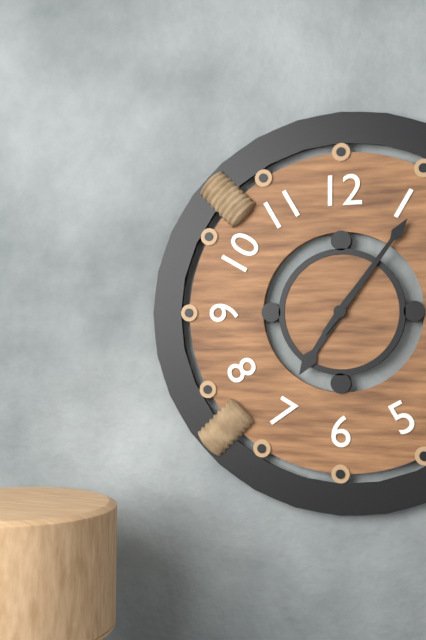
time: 7:06
